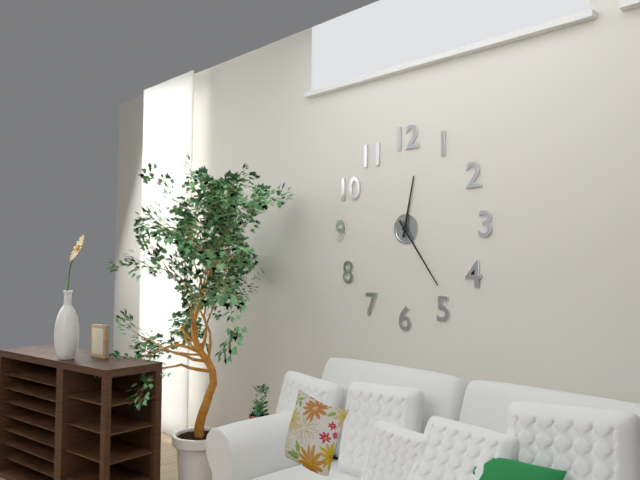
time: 12:24
